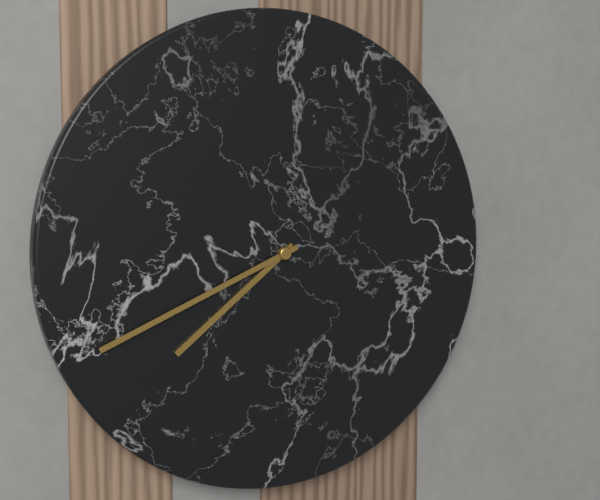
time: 7:41
